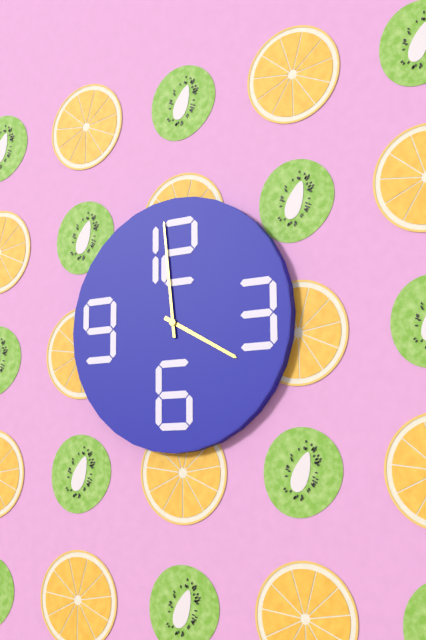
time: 3:59
